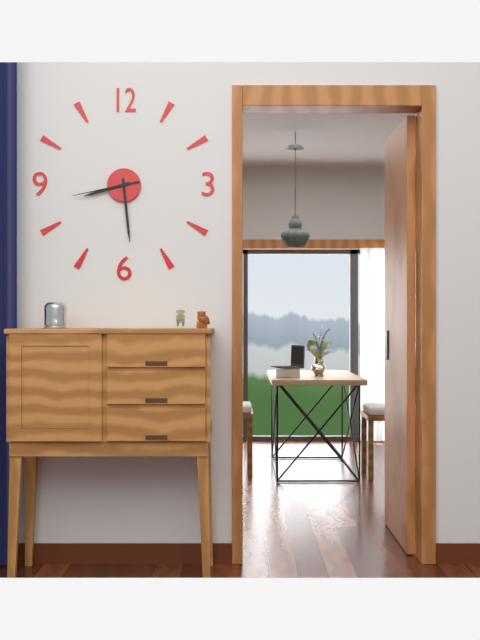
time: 8:29:43
